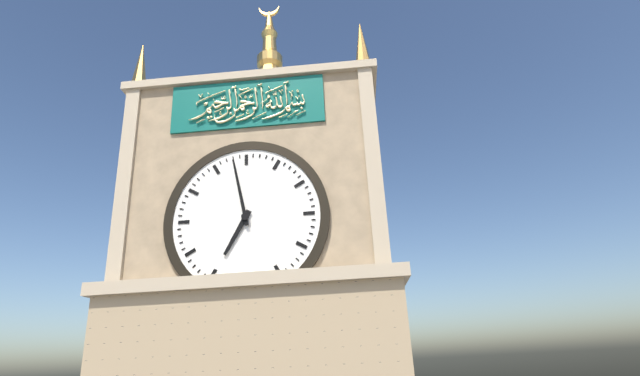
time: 6:58
